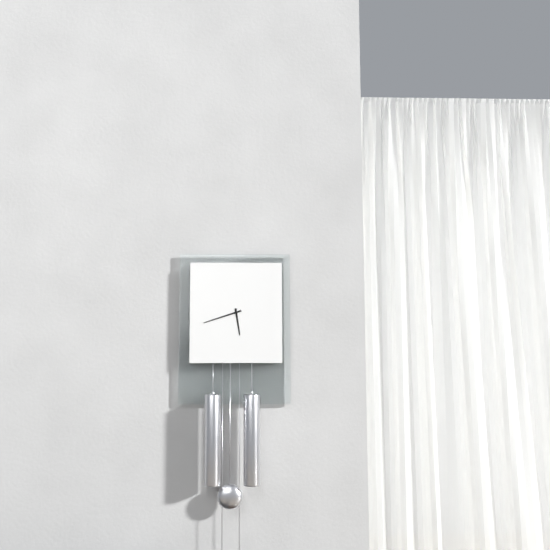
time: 5:42
